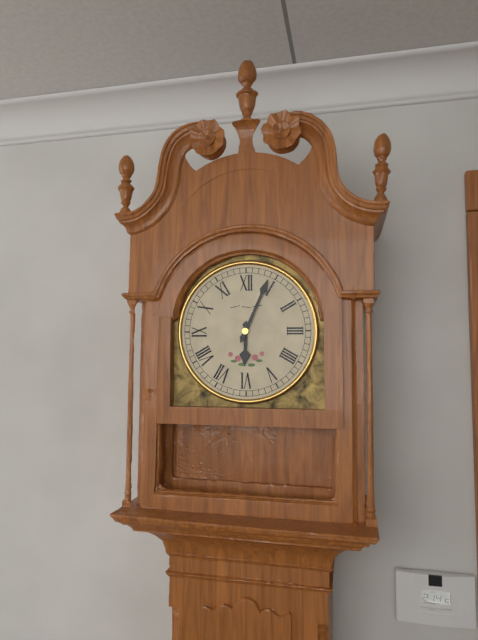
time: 6:04
